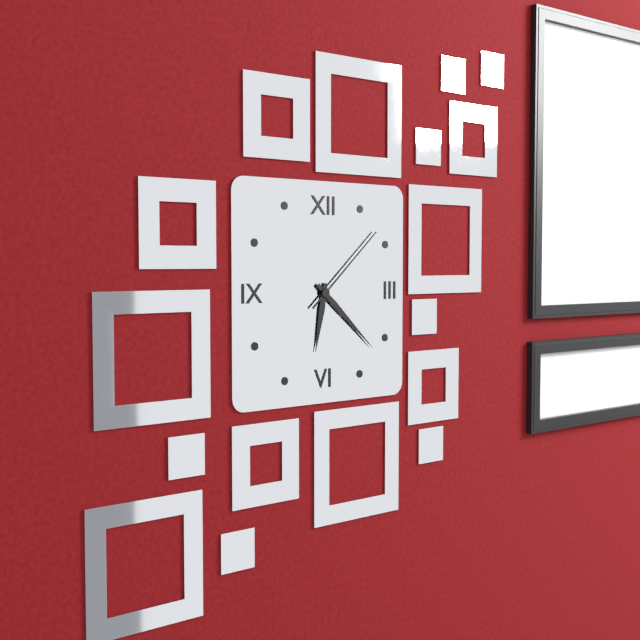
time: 6:22:08
